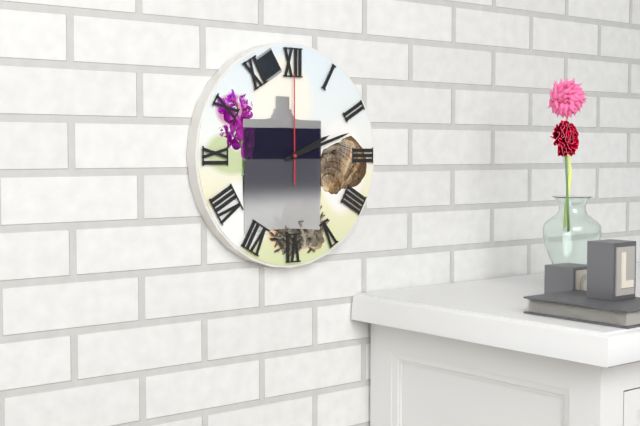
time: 2:12:00
